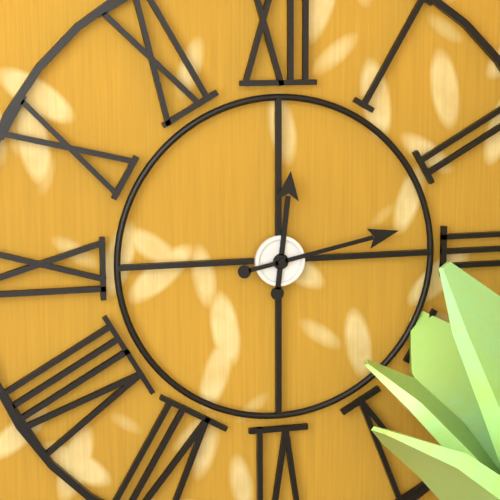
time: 12:13
